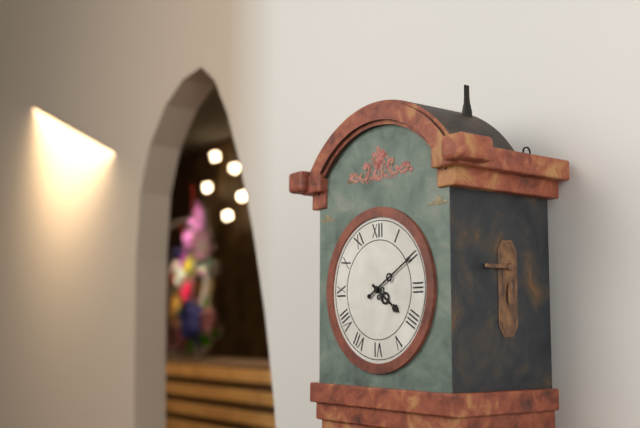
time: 4:10
